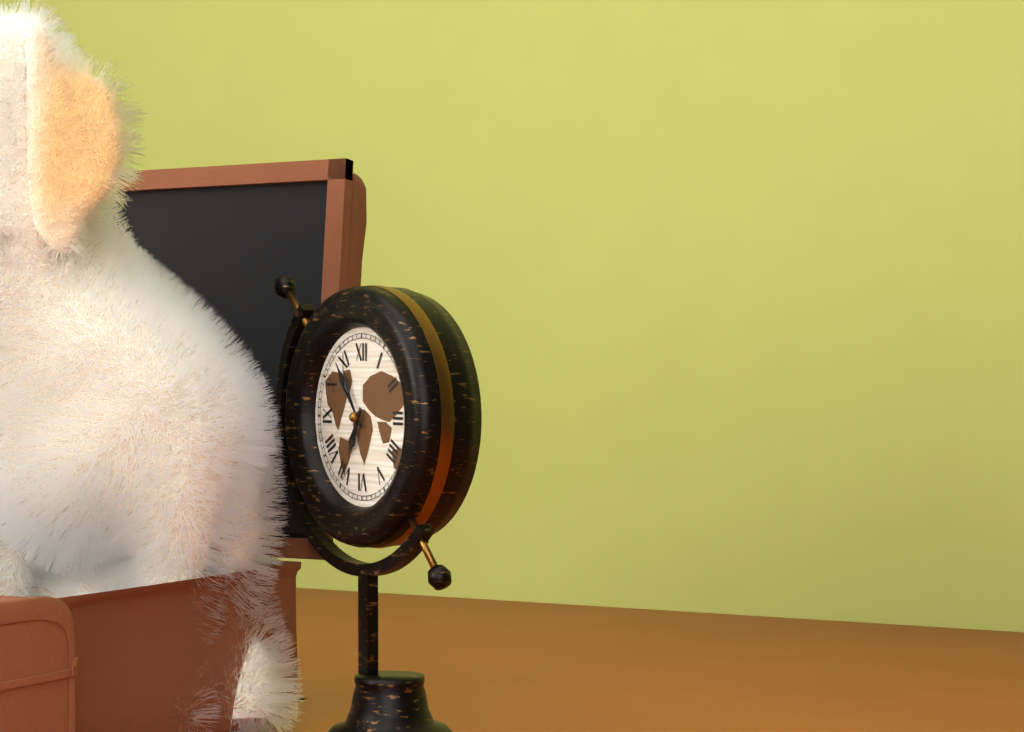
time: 6:54
